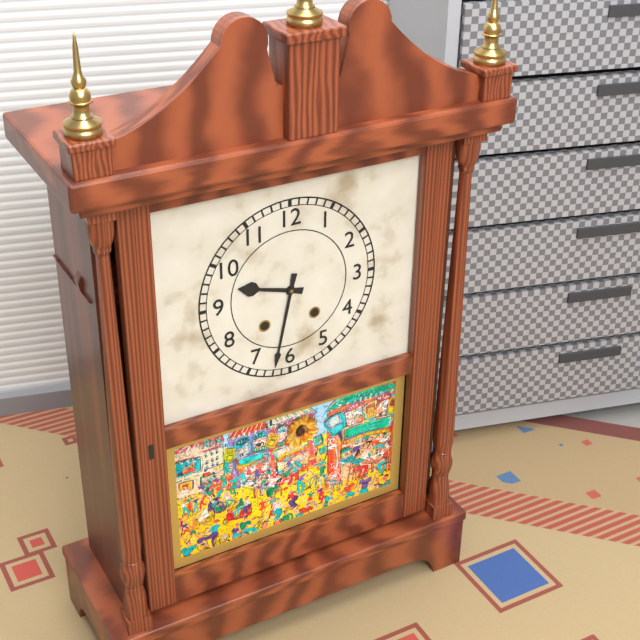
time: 9:32
